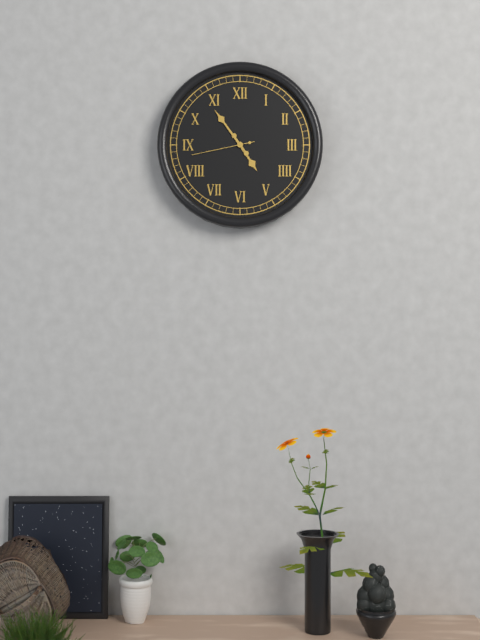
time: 4:54:43
